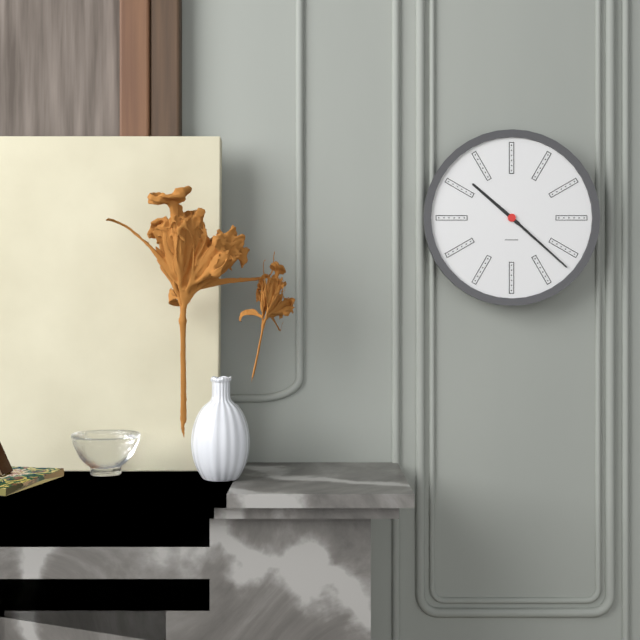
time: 10:22
